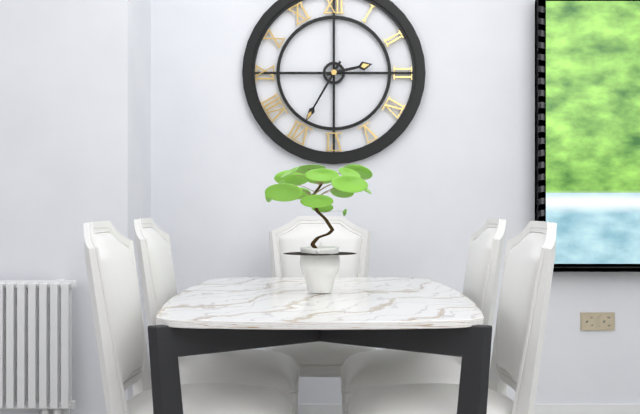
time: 2:35
